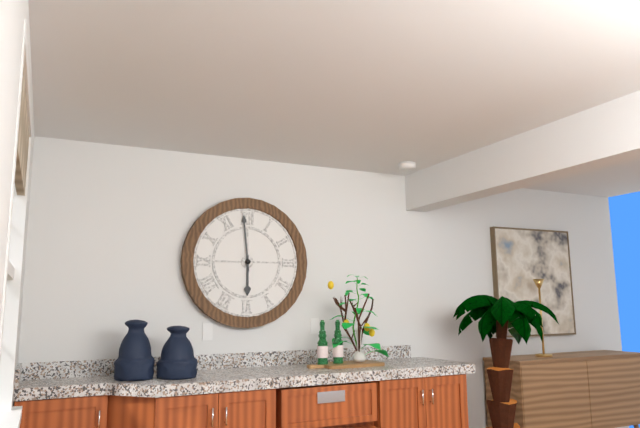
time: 5:59
